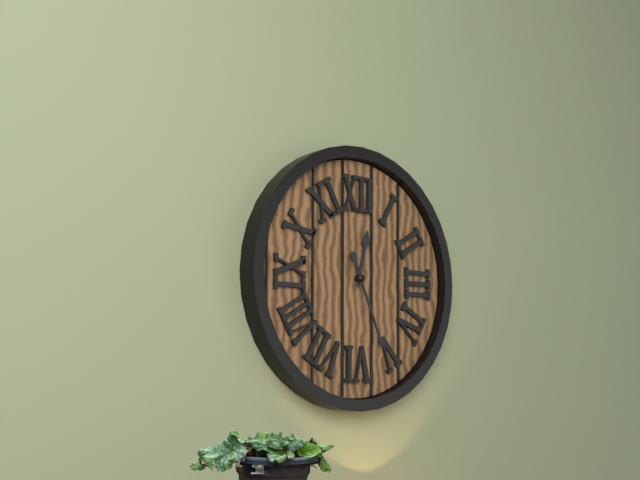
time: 12:26
